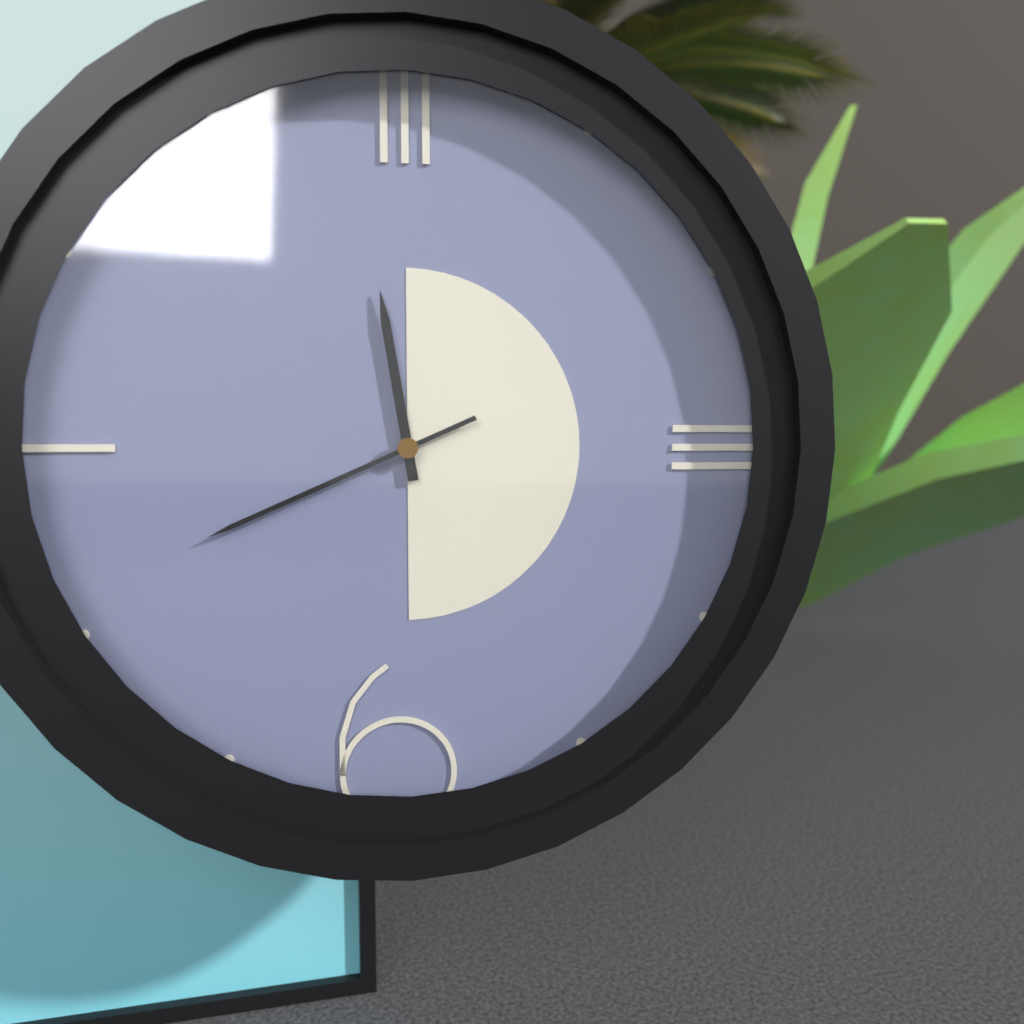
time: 11:41
